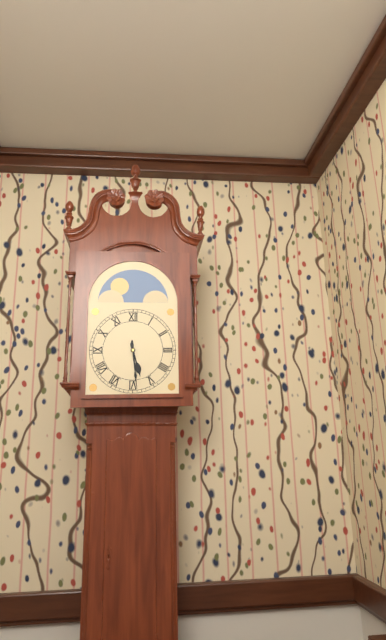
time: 5:29
